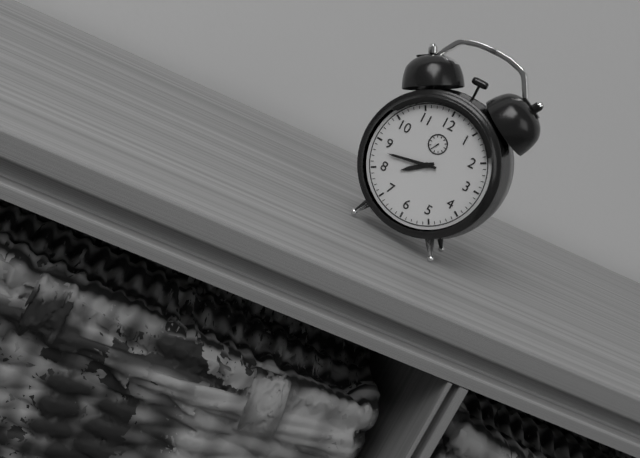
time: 7:43
